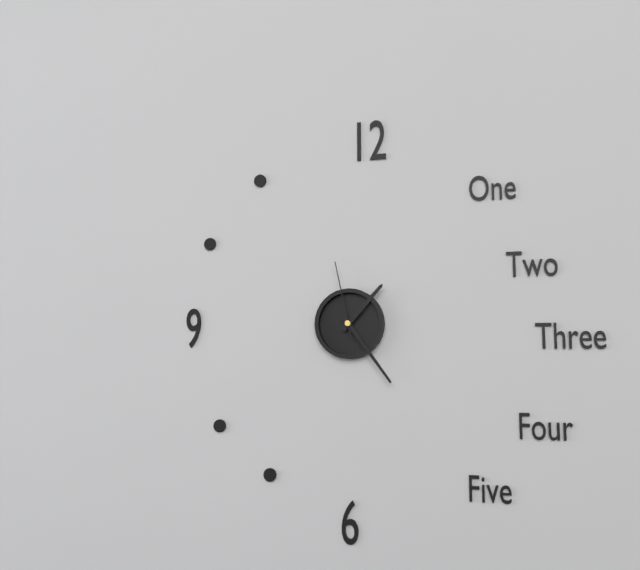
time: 1:24:58
